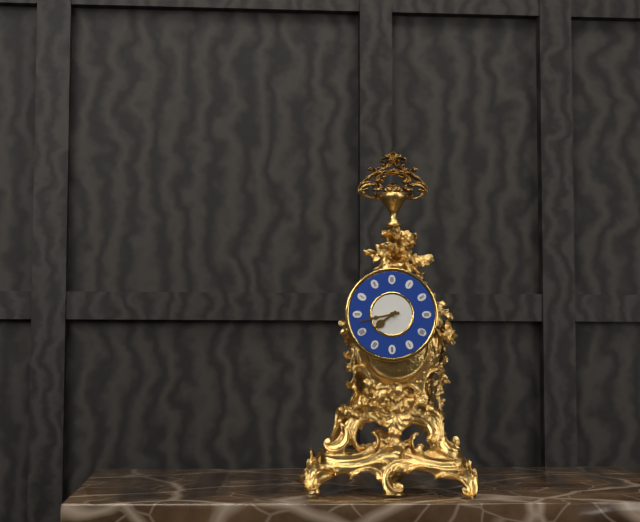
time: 7:43
